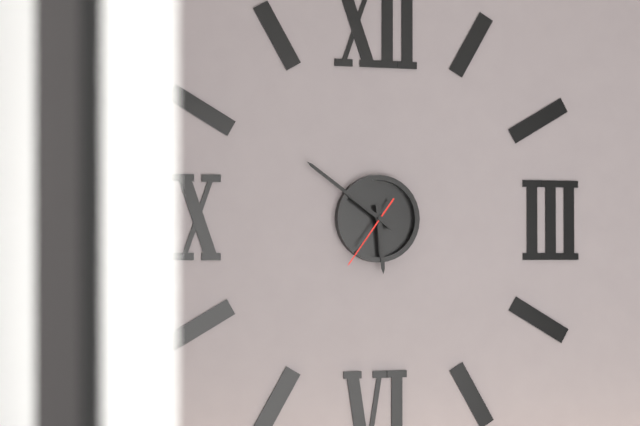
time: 5:51:36
